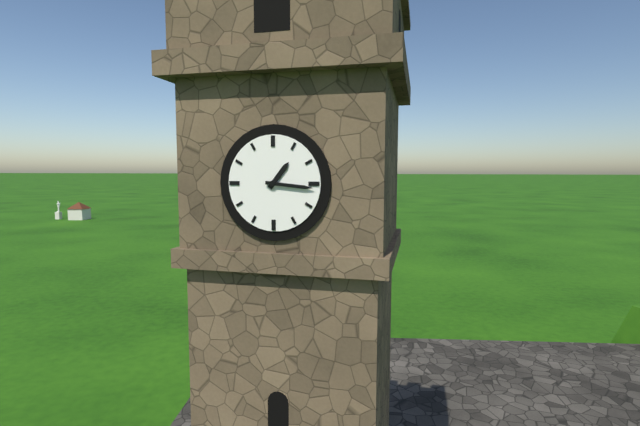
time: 1:16
